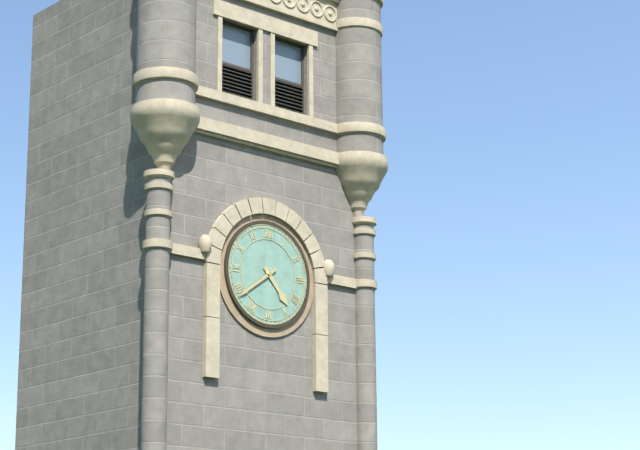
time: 4:39
